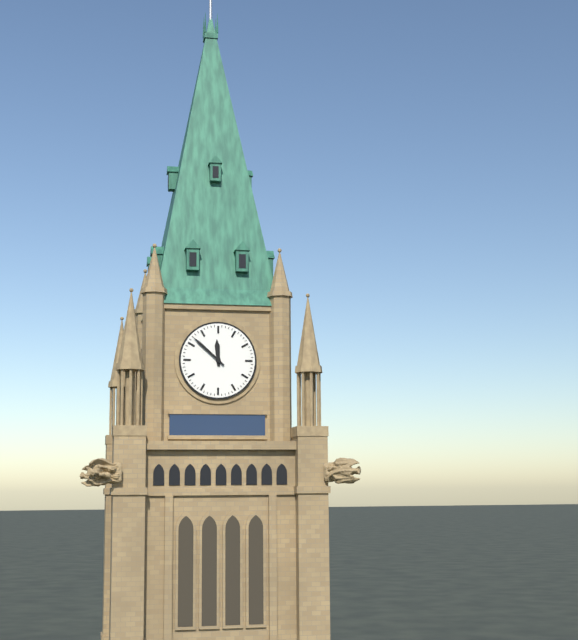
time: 11:52
